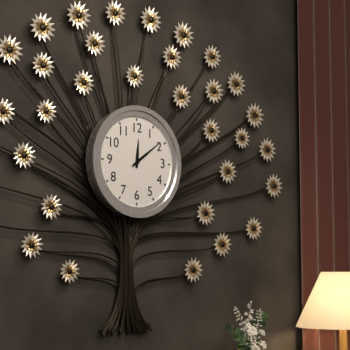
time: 12:09
